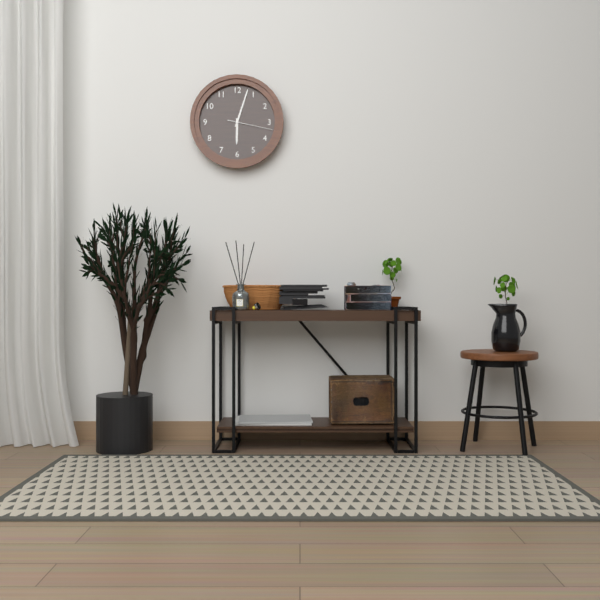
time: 6:03
